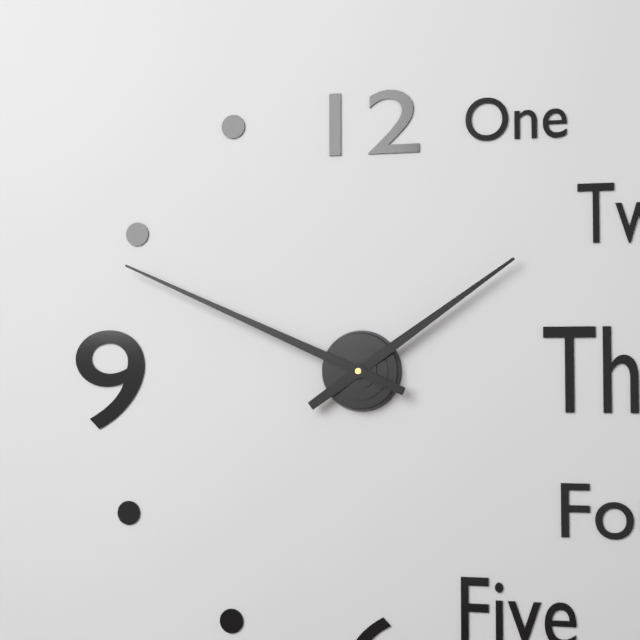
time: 1:49
